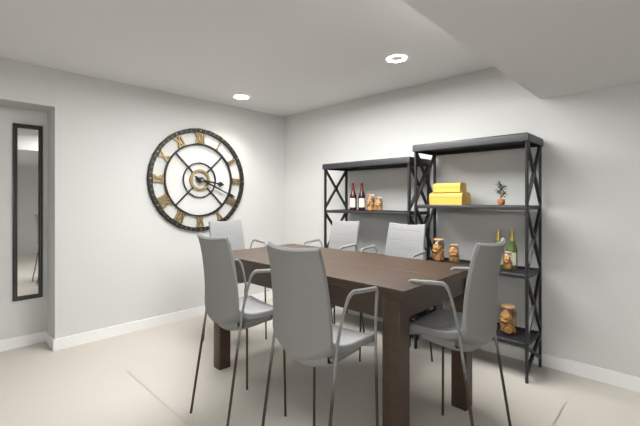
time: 3:19
